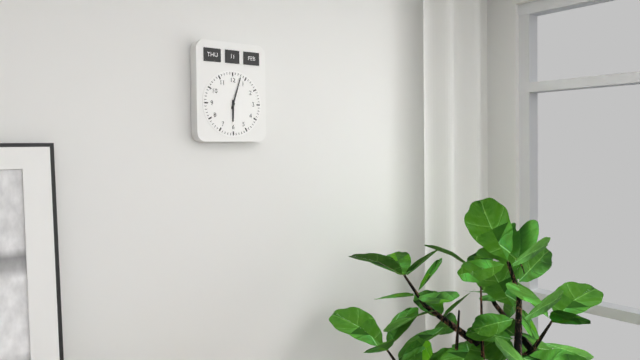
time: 6:03
